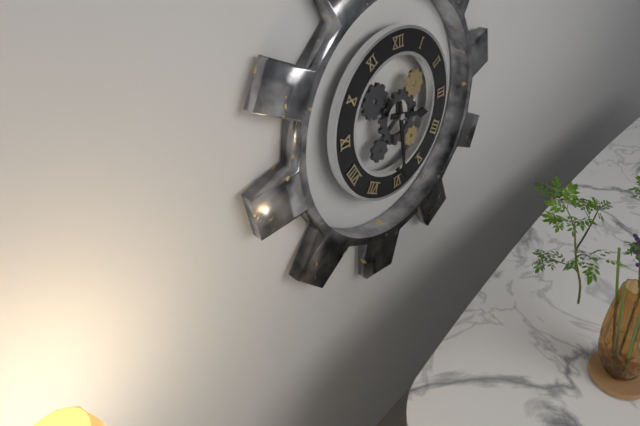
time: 3:29
